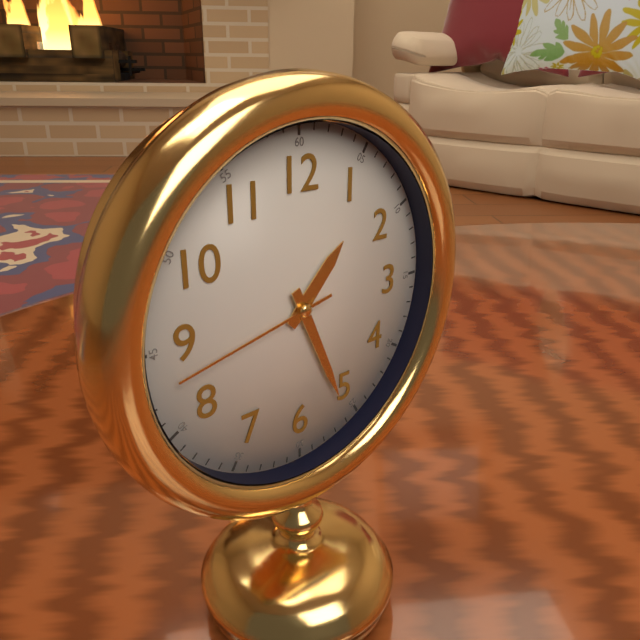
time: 1:26:43
